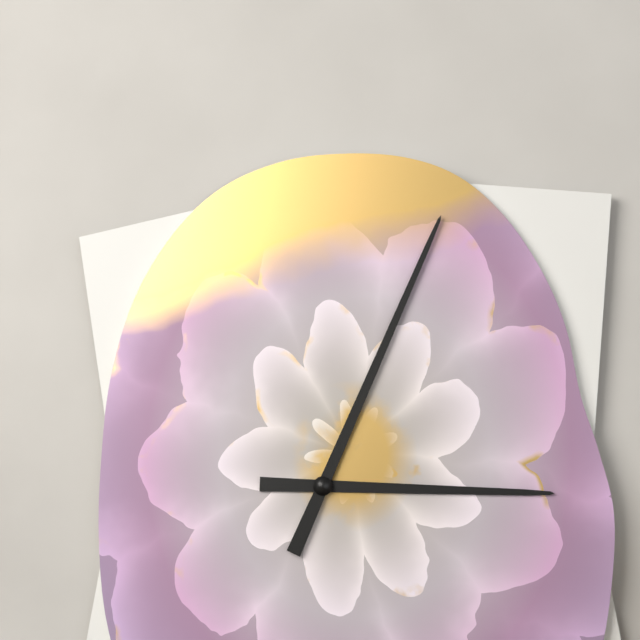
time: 3:04
